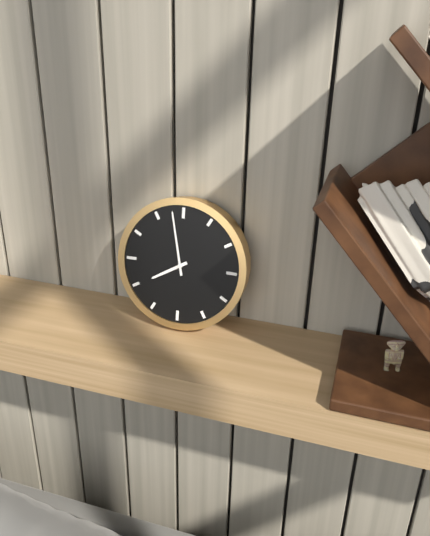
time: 7:58
